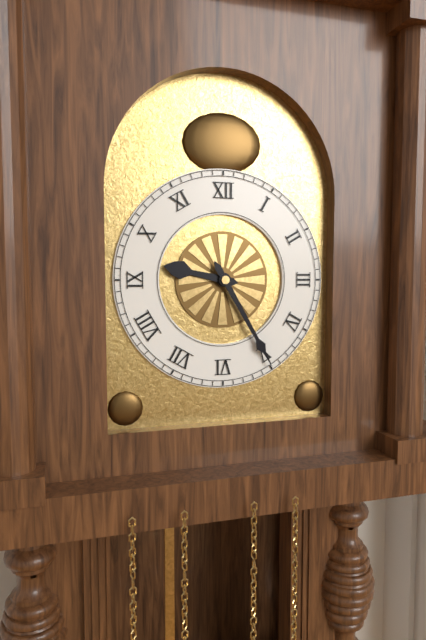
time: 9:25
